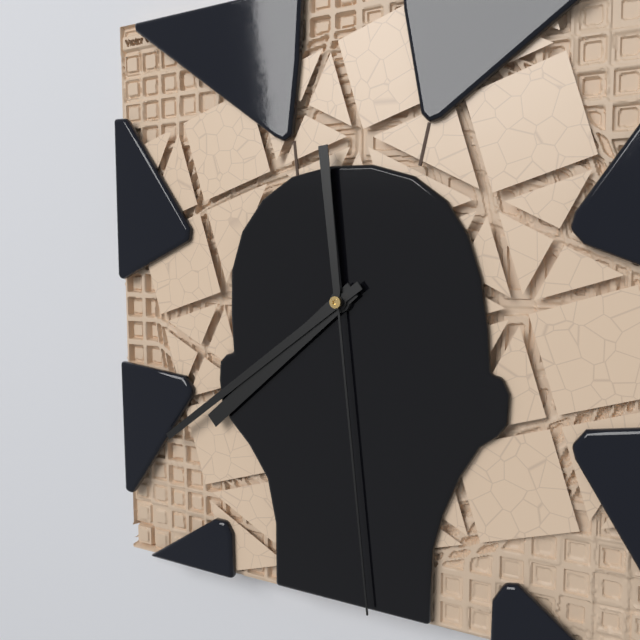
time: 7:39:29
